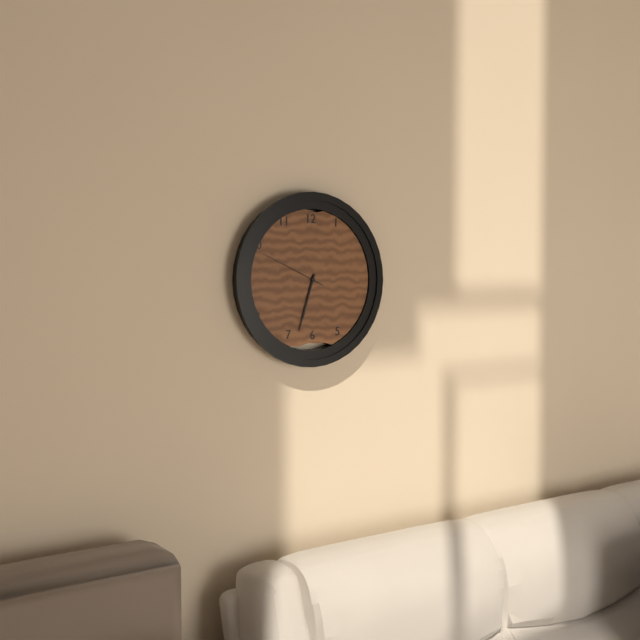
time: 6:33:49
